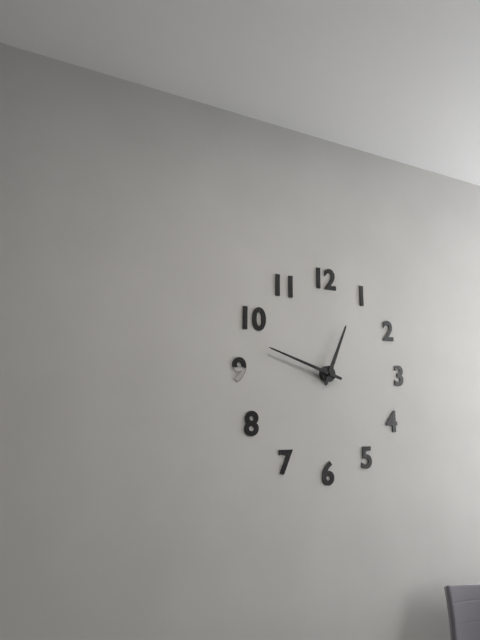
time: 12:48
